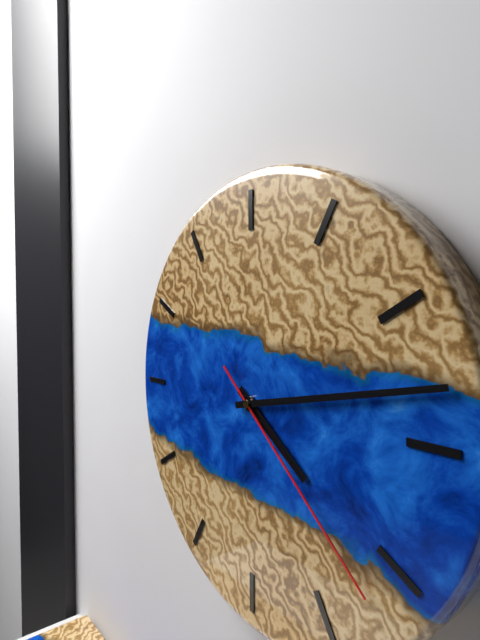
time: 4:13:22
